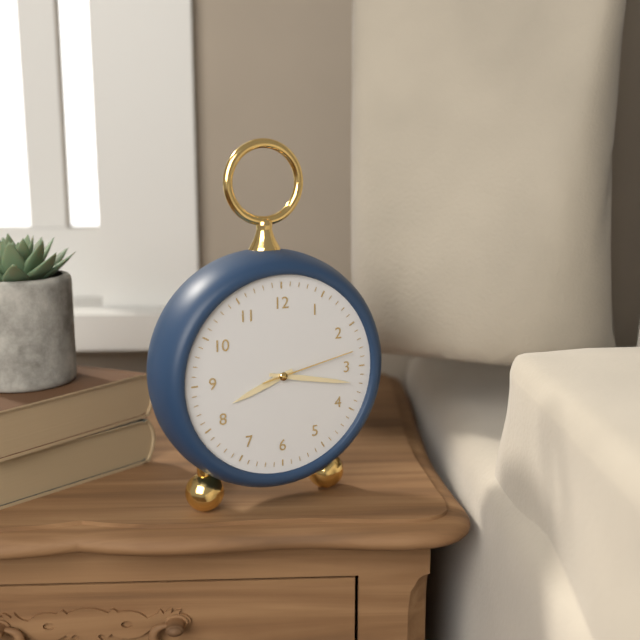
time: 8:17:13
